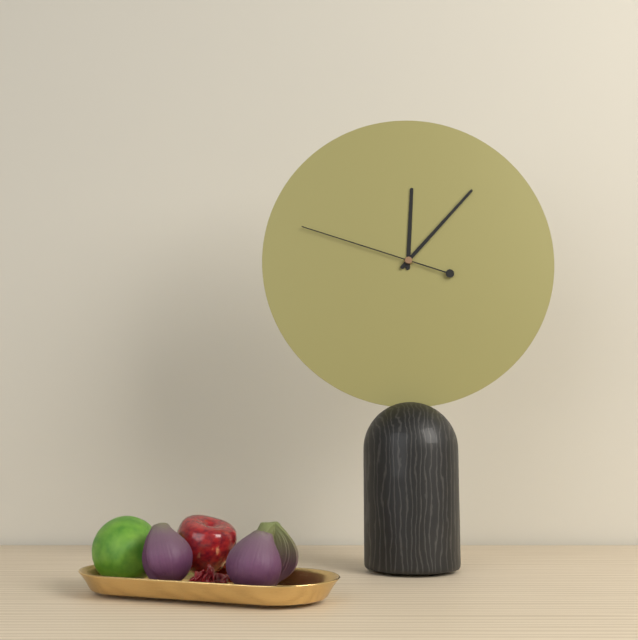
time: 12:07:48
